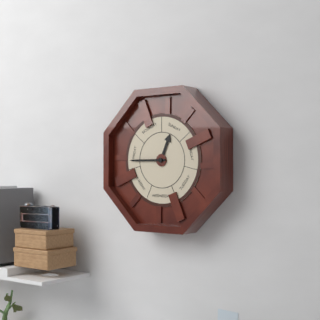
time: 12:45
